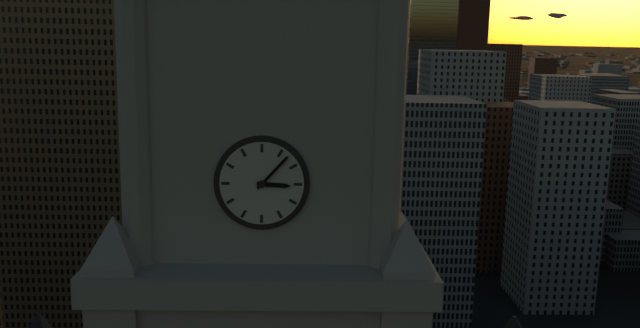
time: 3:07
